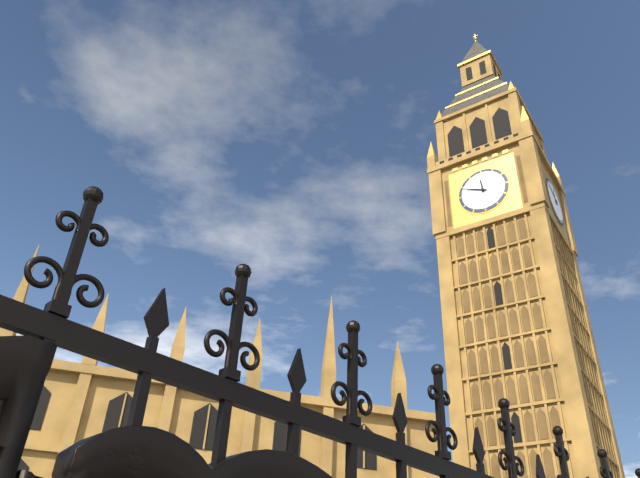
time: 11:49
